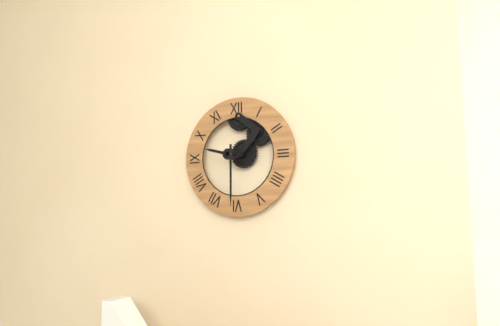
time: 9:30
